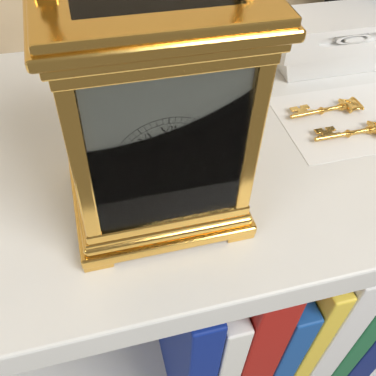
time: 6:47
